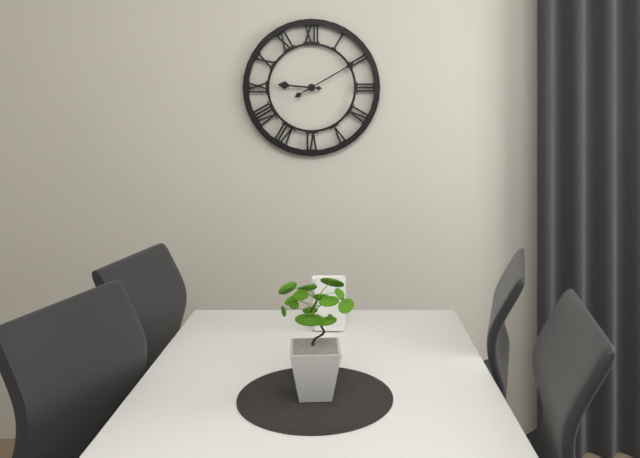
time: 9:10
